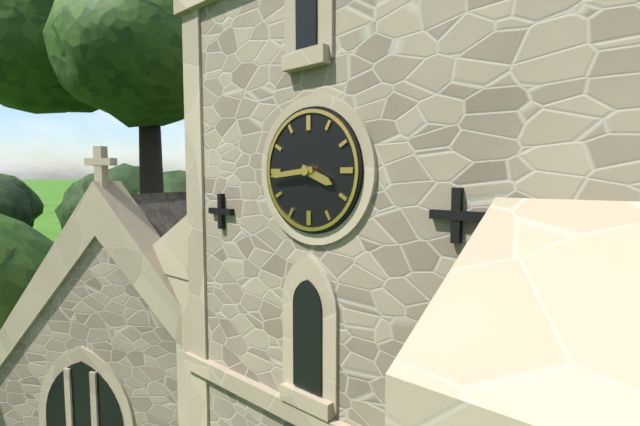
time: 3:44
